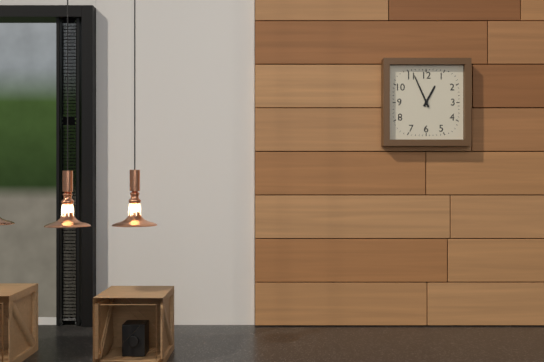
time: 12:56
